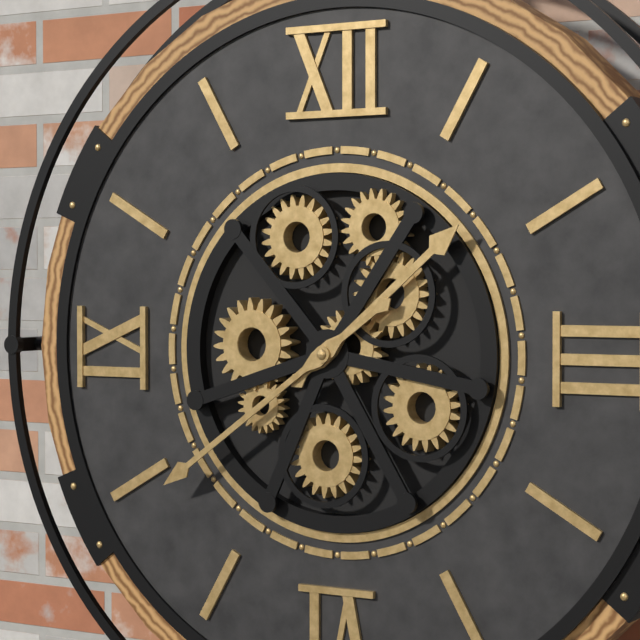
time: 1:39
